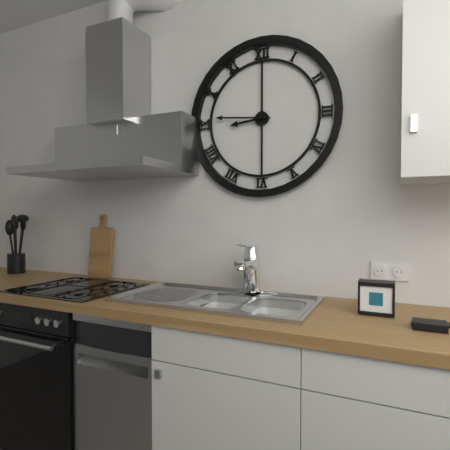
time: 8:46
